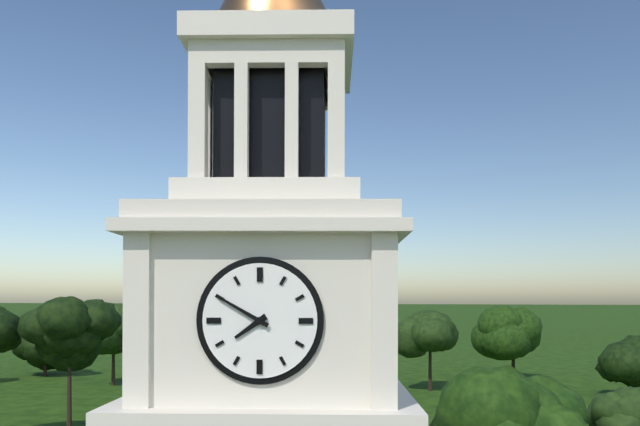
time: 7:50
